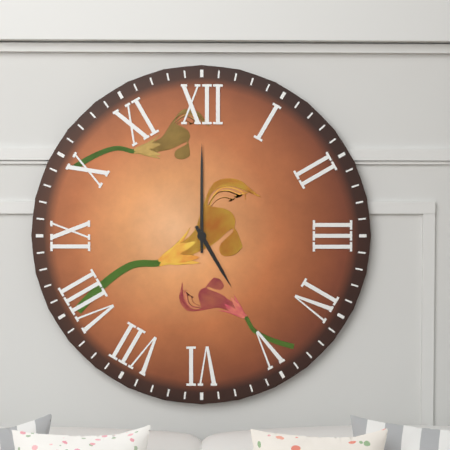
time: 5:00
